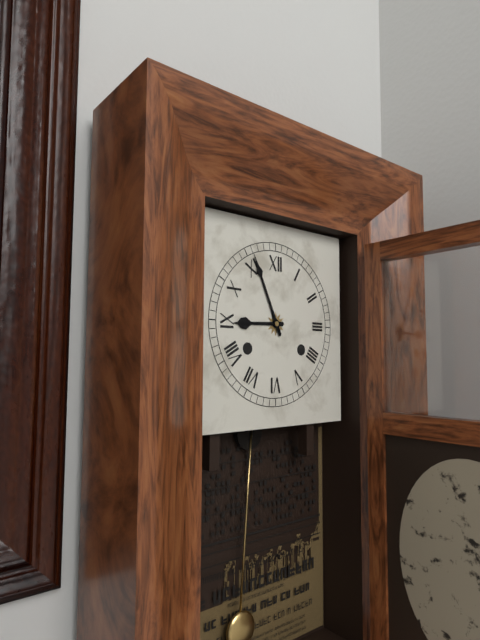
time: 8:56
